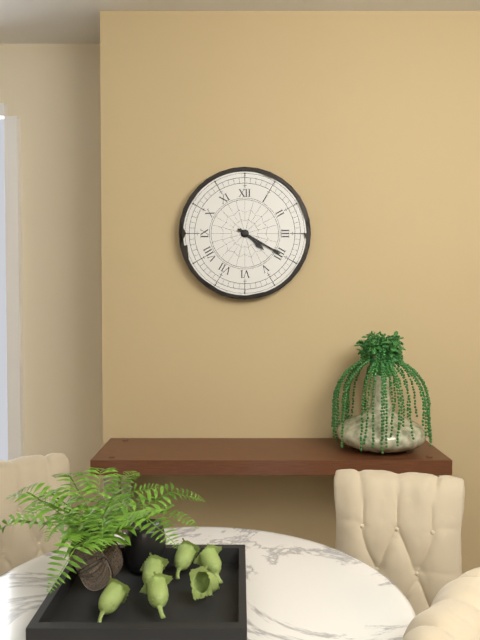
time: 4:20
